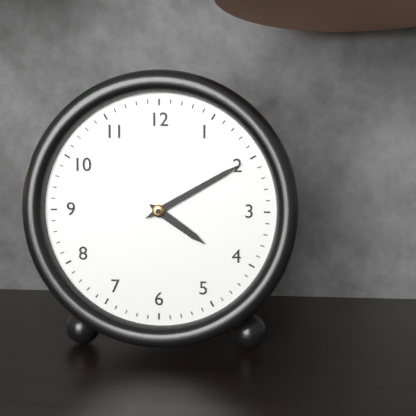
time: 4:10
